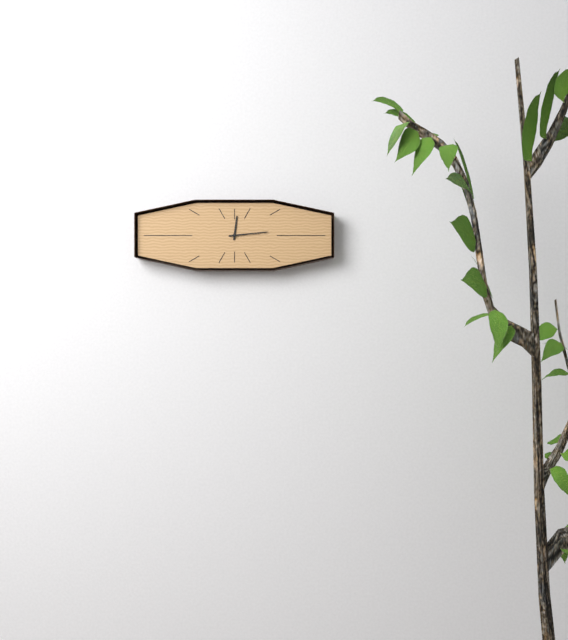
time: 12:14
